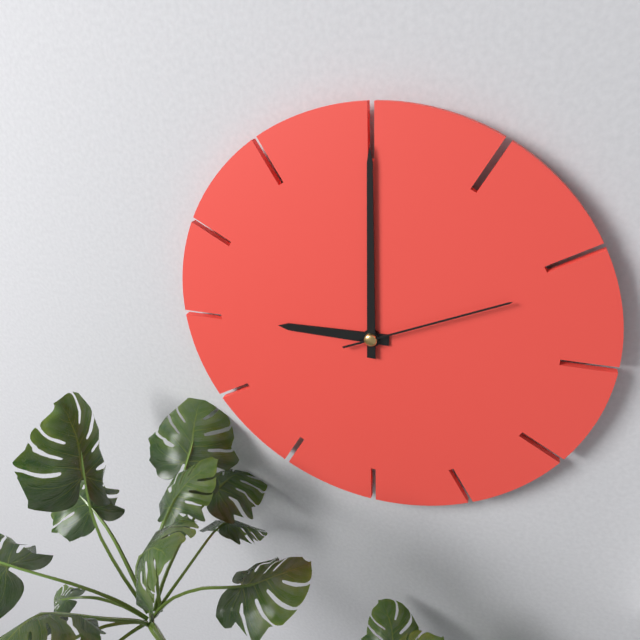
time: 9:00:11
